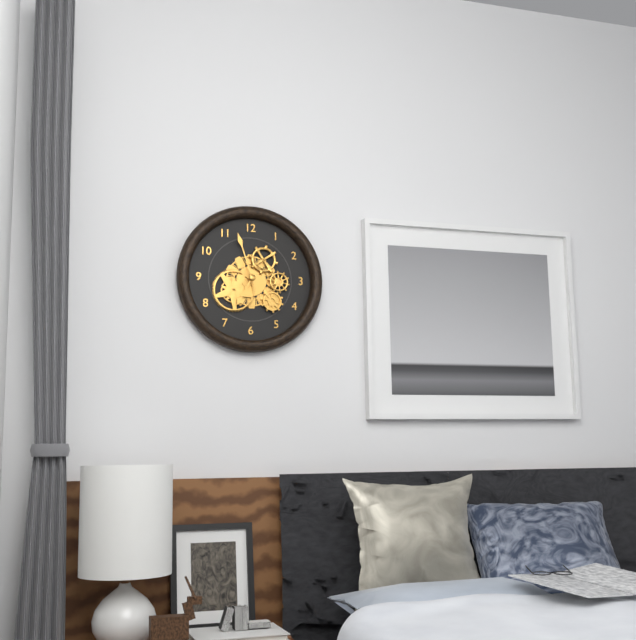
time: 6:57
